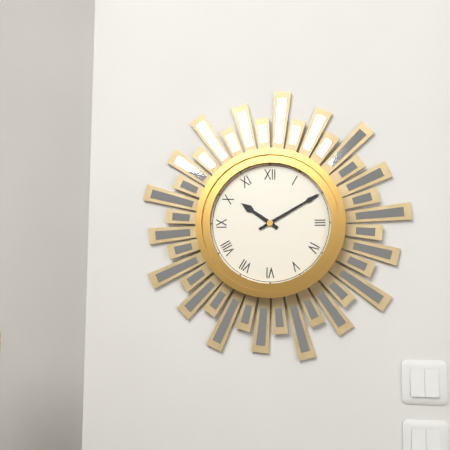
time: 10:10
